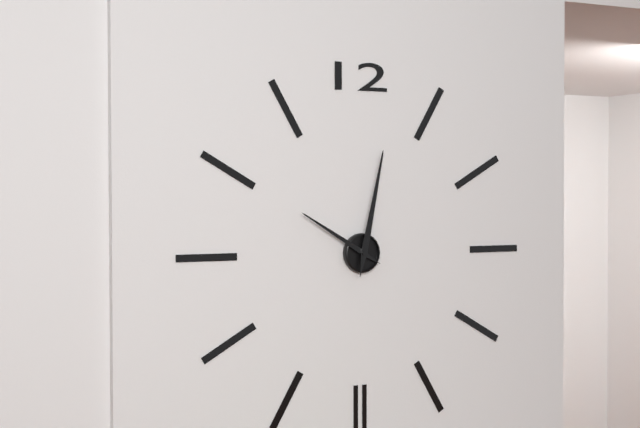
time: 10:02
